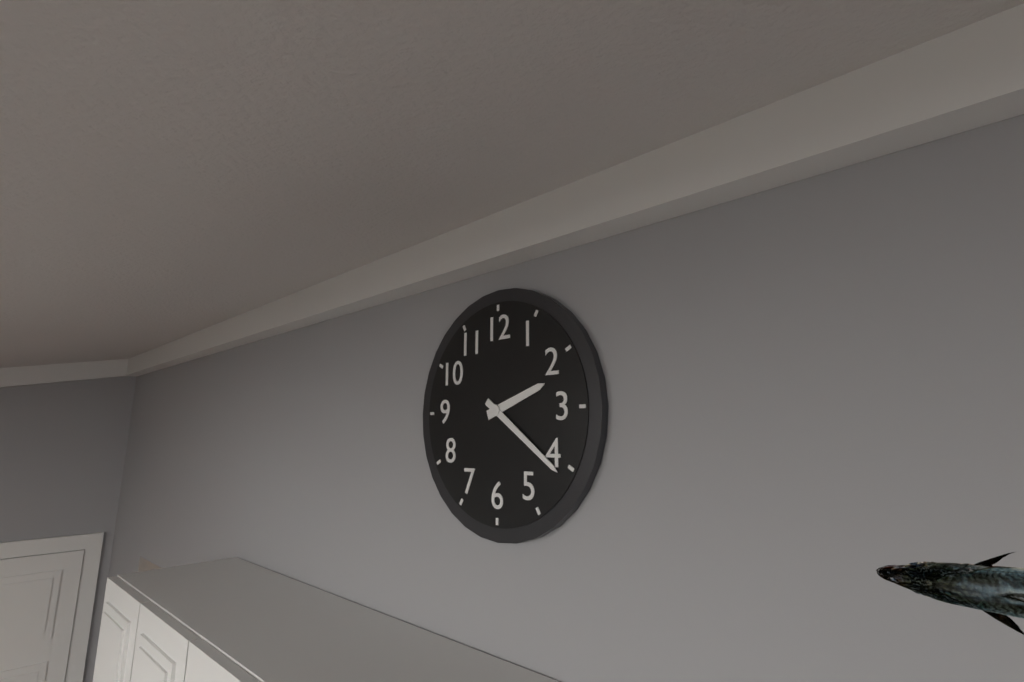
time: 2:21
